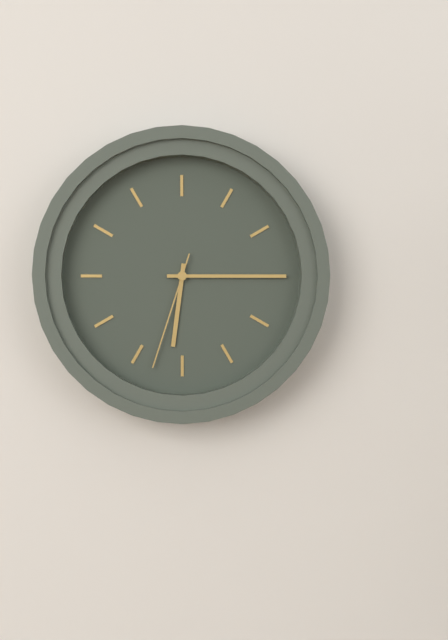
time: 6:15:33
